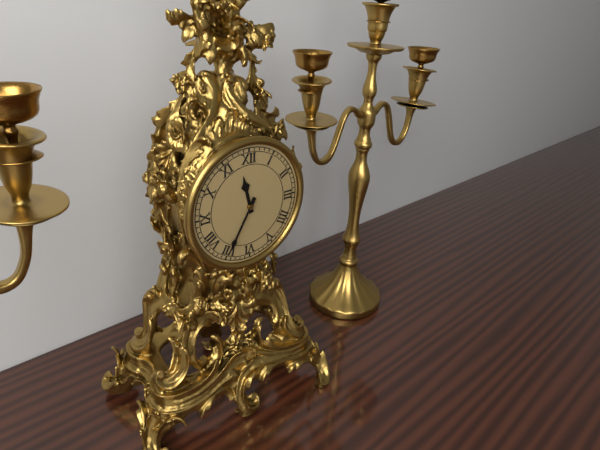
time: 11:35
